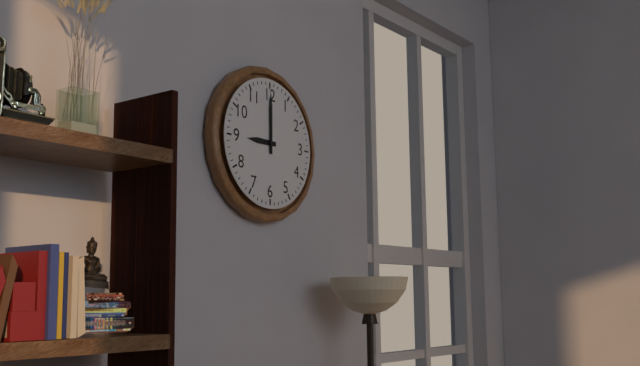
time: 9:00
